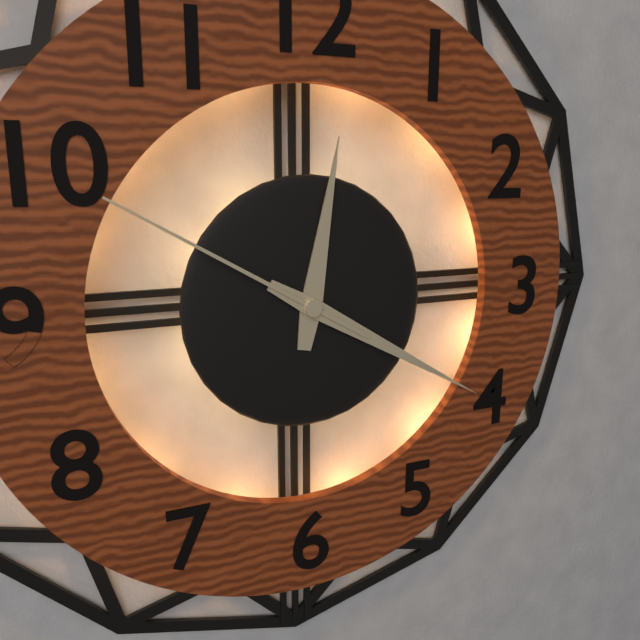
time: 12:20:50
